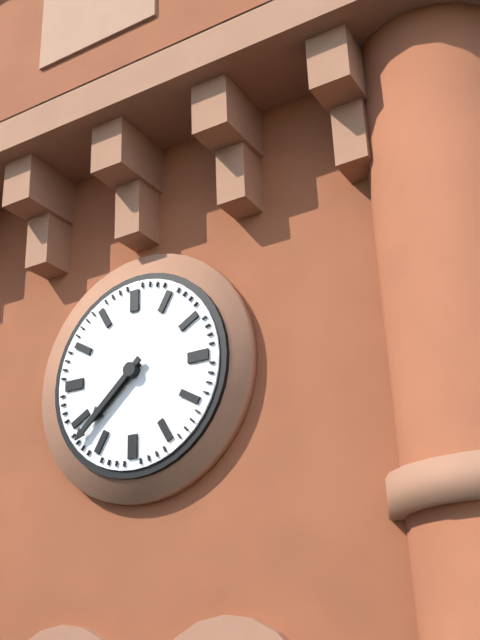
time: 7:38
